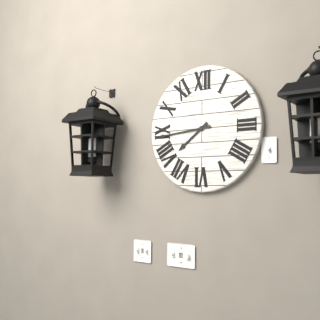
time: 7:44
